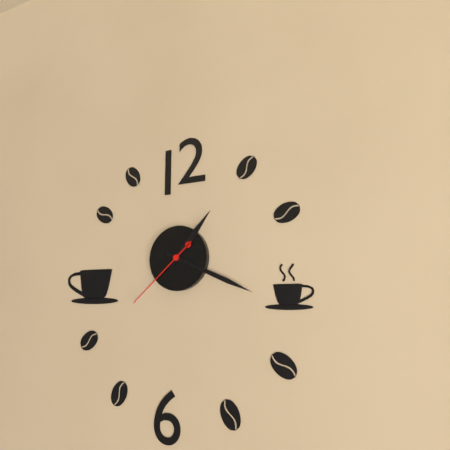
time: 1:19:38
